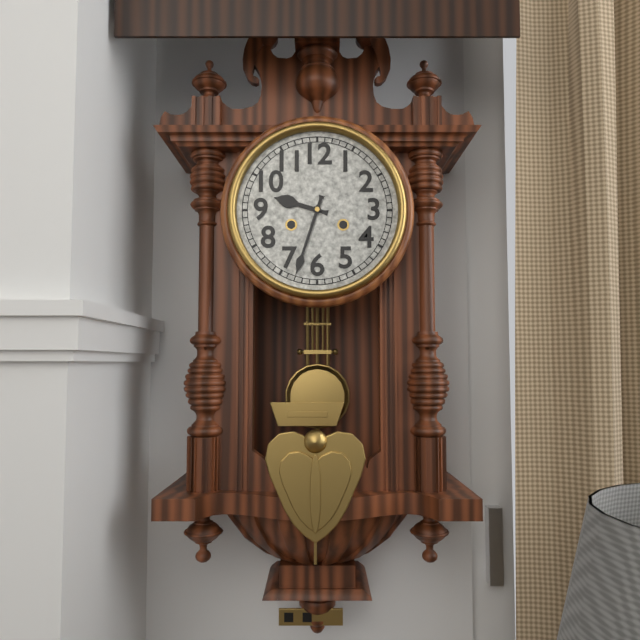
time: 9:33
